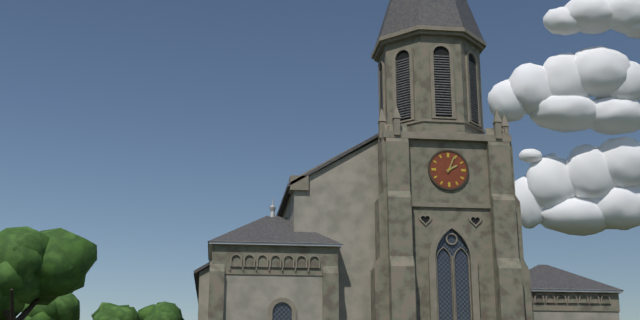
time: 2:04
